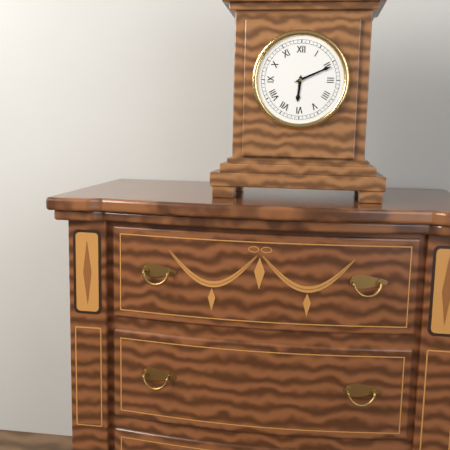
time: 6:11
